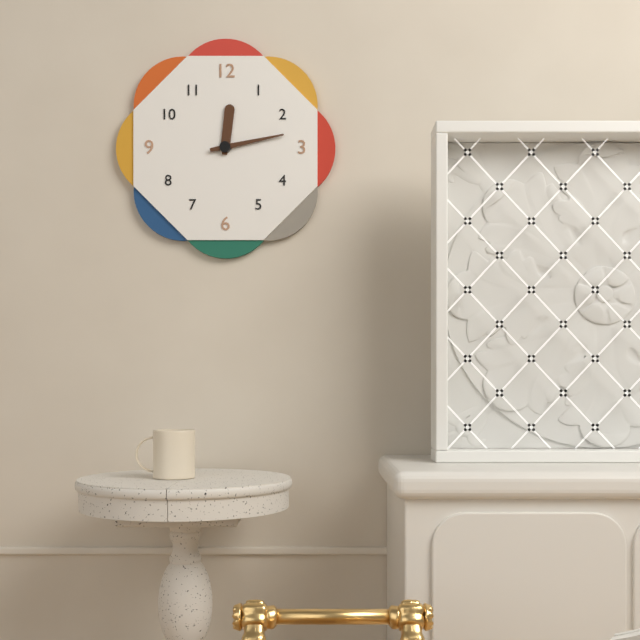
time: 12:13
